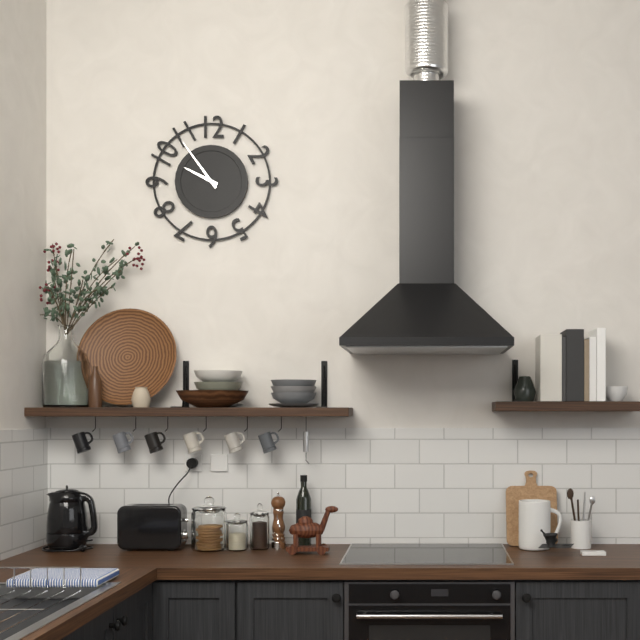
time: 9:54
